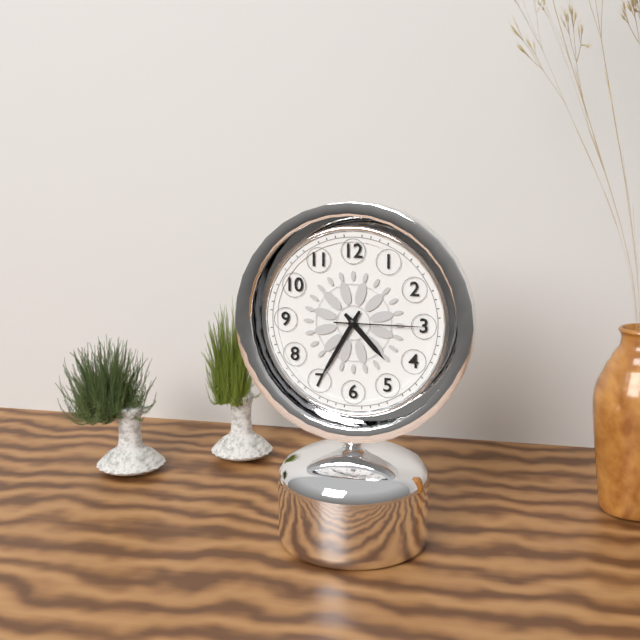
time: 4:35:15
